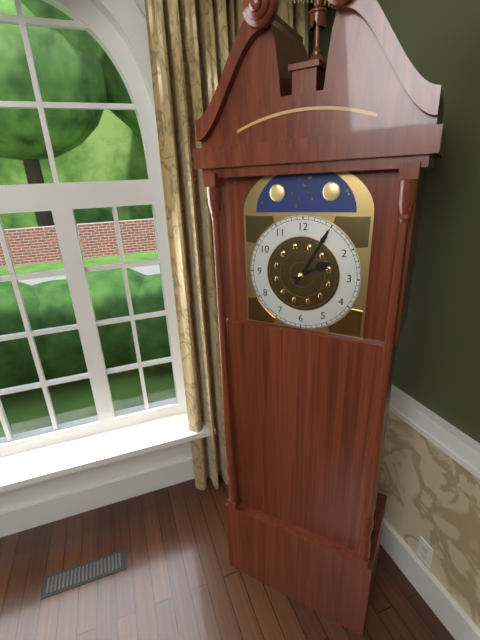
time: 2:05
